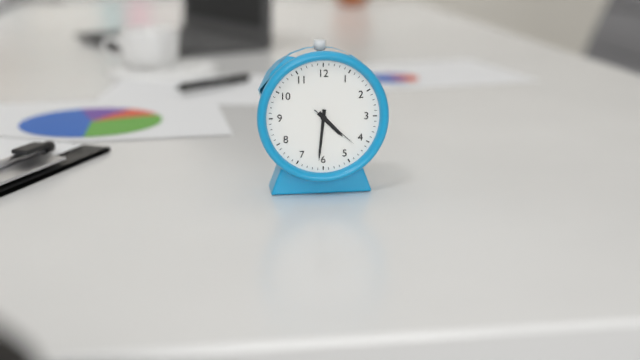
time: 4:31:22
